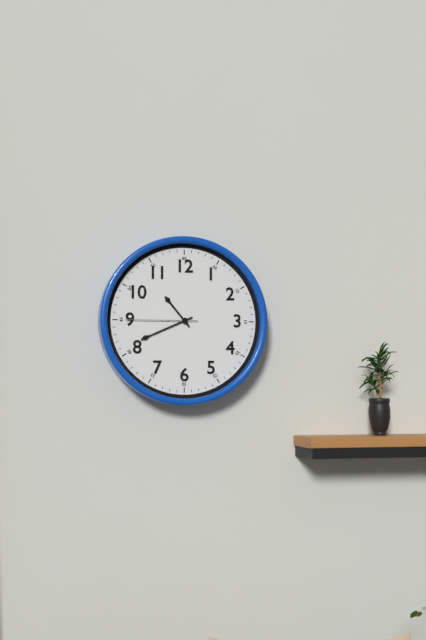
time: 10:41:45
